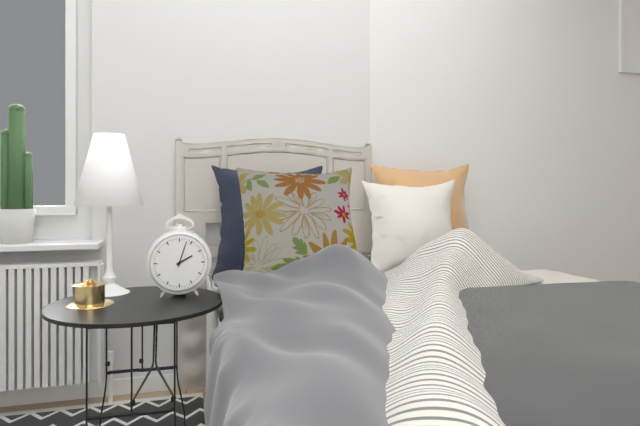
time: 2:03
